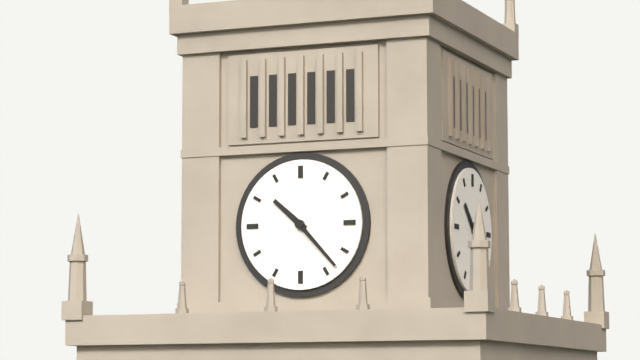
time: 10:23
